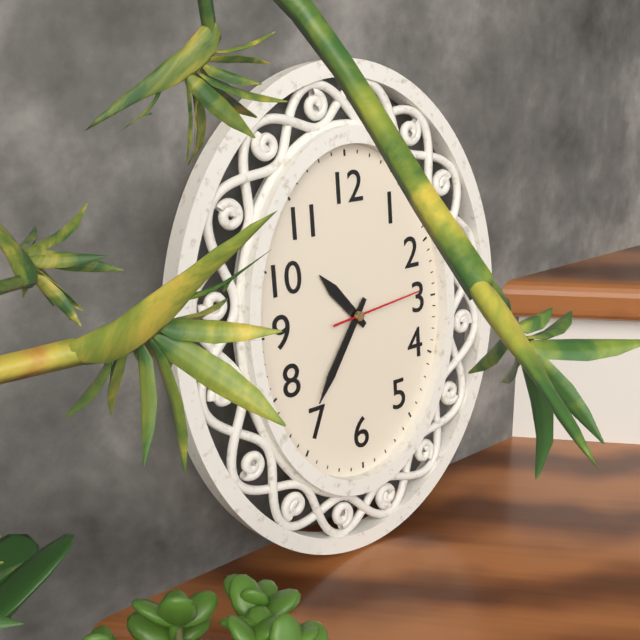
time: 10:36:14
